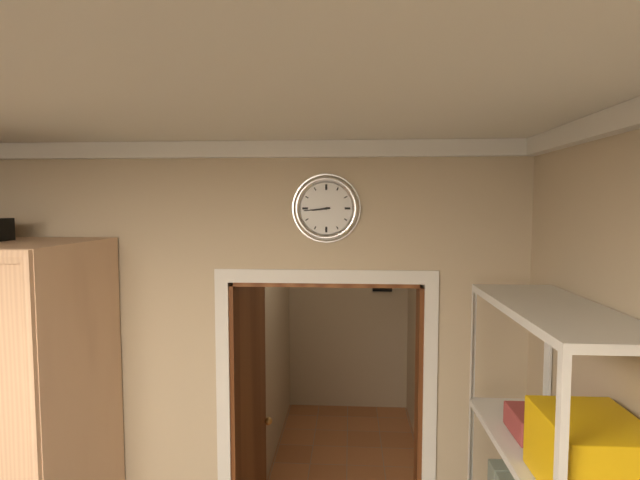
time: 8:44
